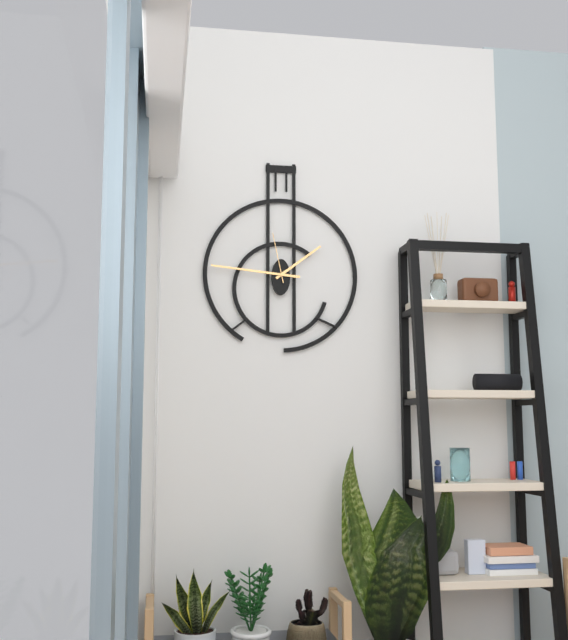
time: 1:46:58
